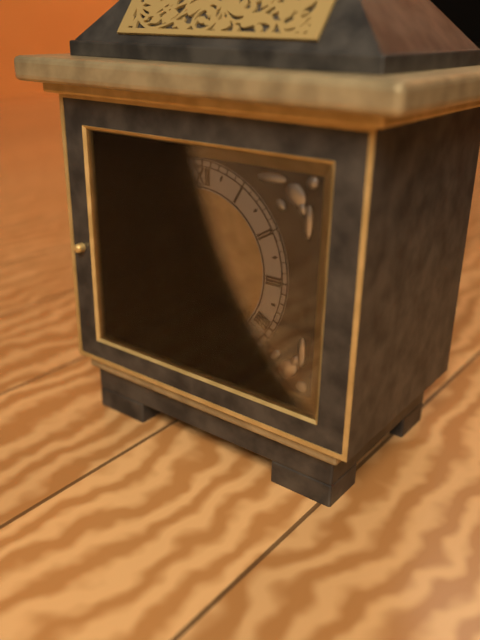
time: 10:59
